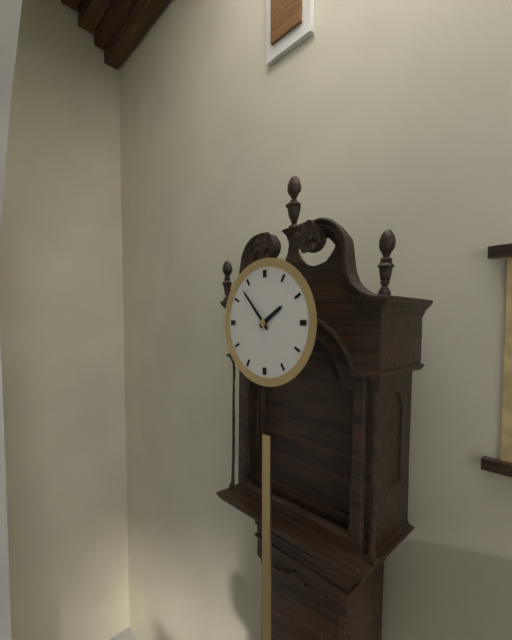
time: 1:53
